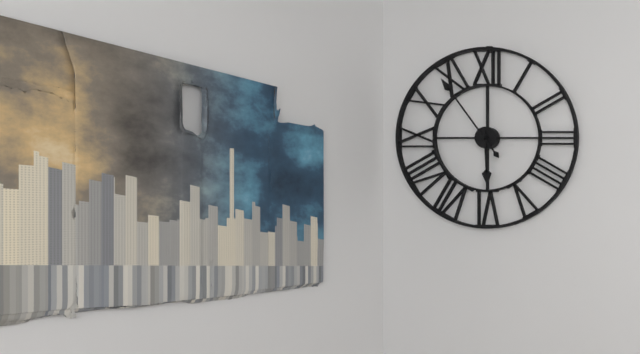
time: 5:54
